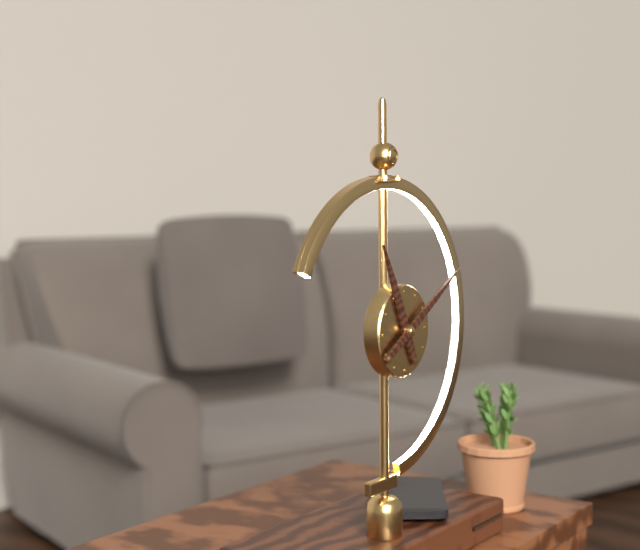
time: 11:10
